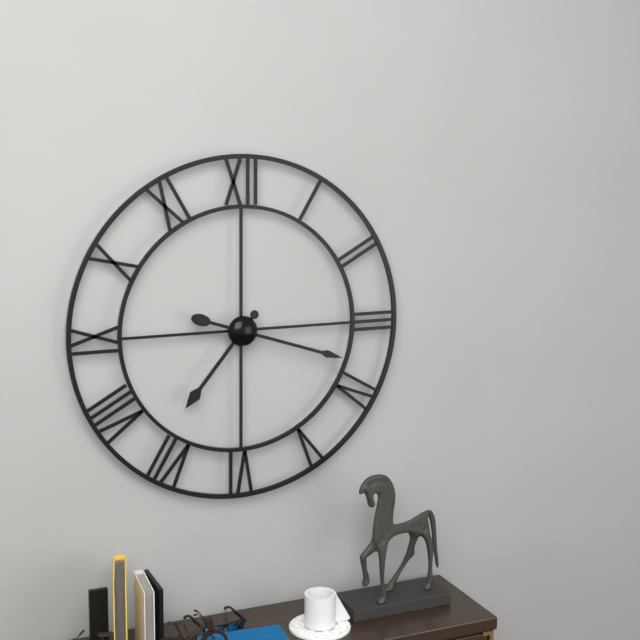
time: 7:18
